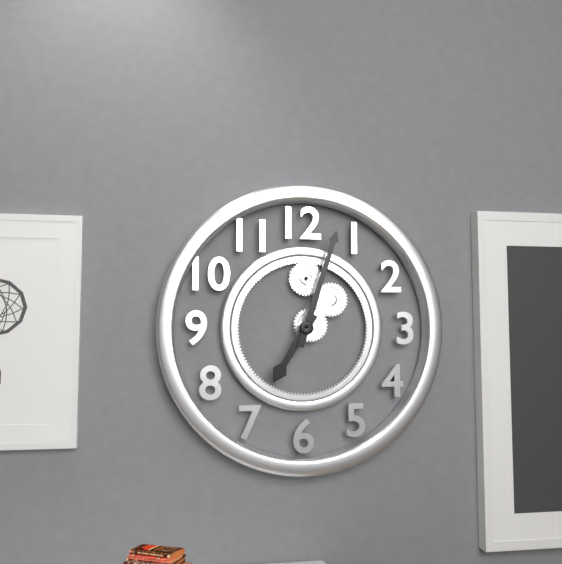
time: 7:03
